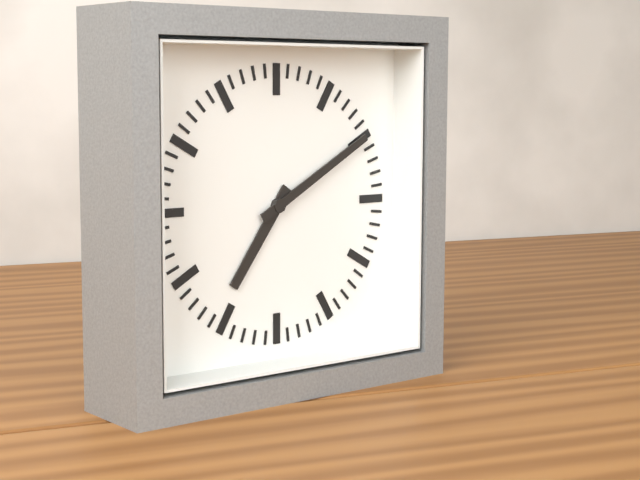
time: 7:10
